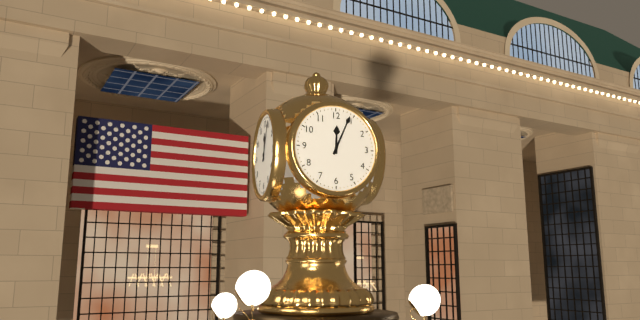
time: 12:04
